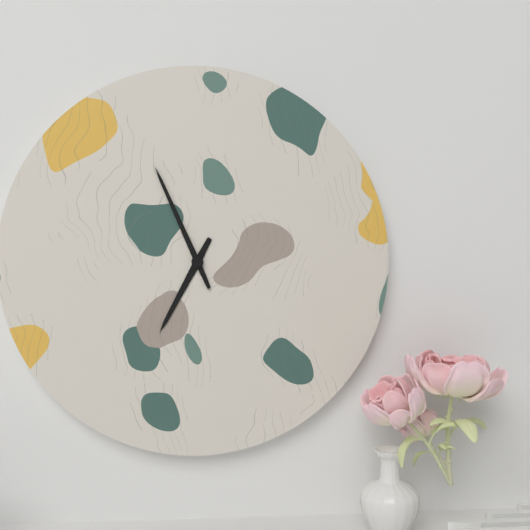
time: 6:56
